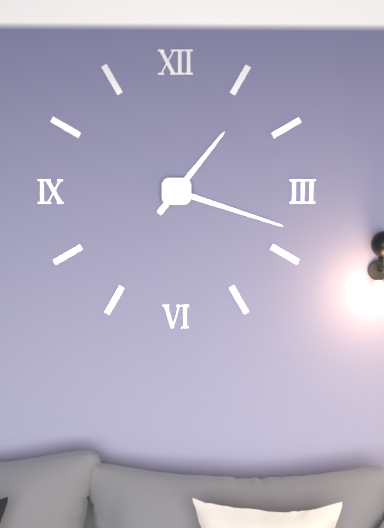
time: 1:18
